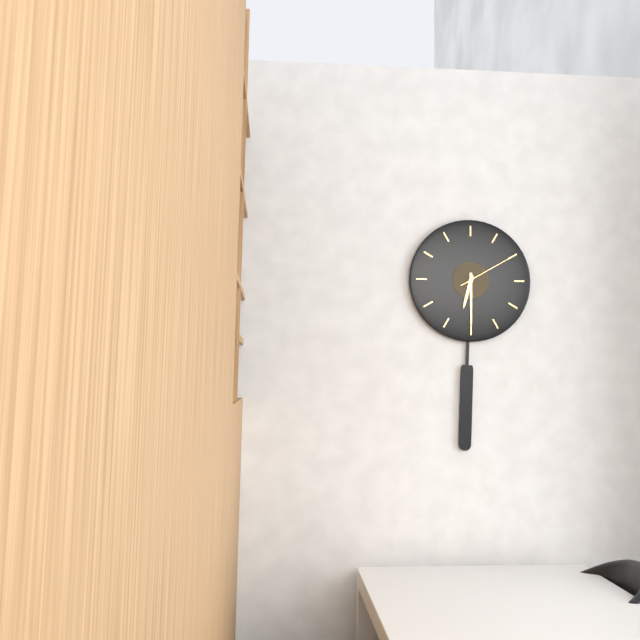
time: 6:30:10
